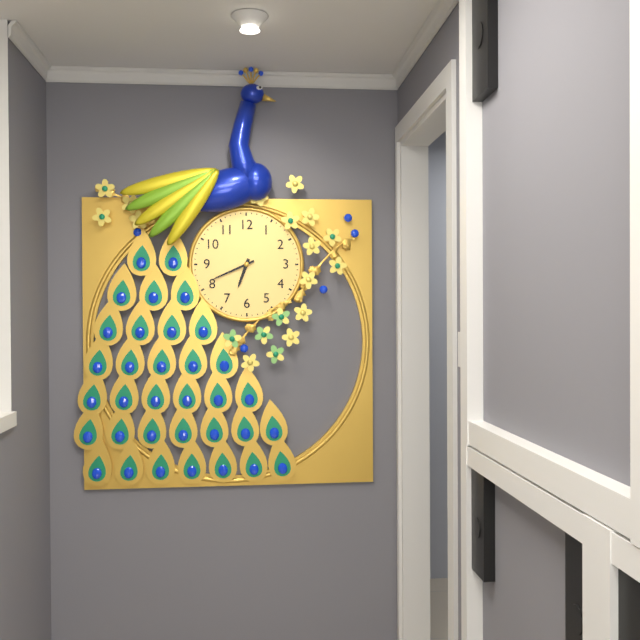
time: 6:41
